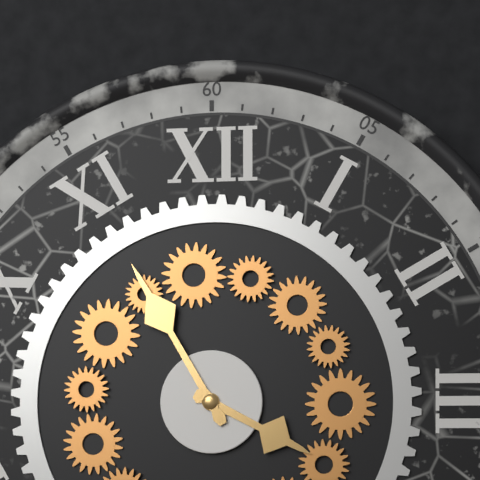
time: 3:55
